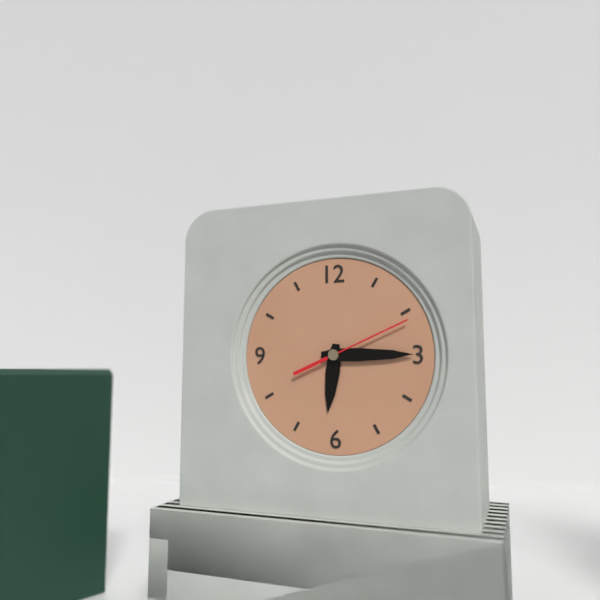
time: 6:15:11
